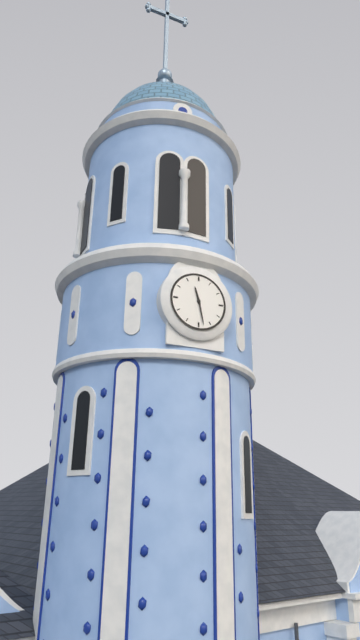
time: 11:28
